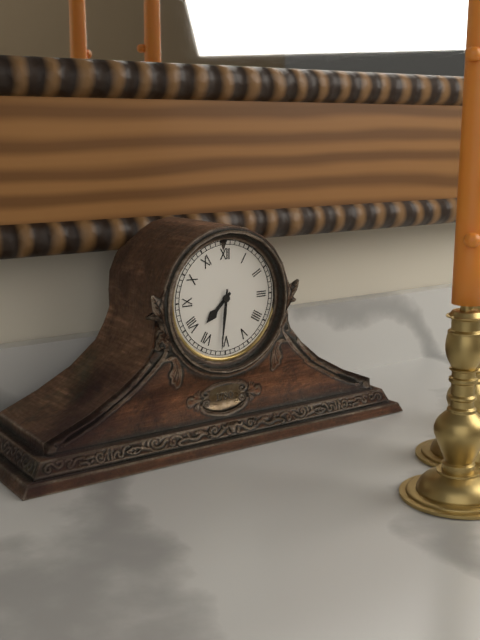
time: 7:31
